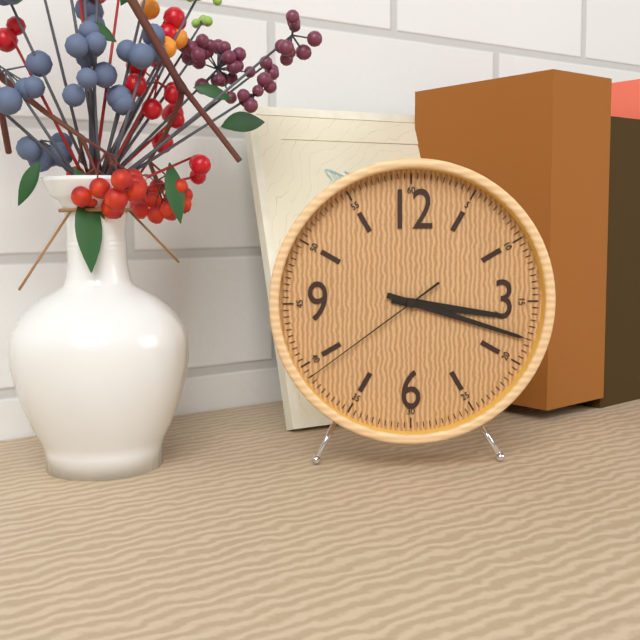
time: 3:18:39
